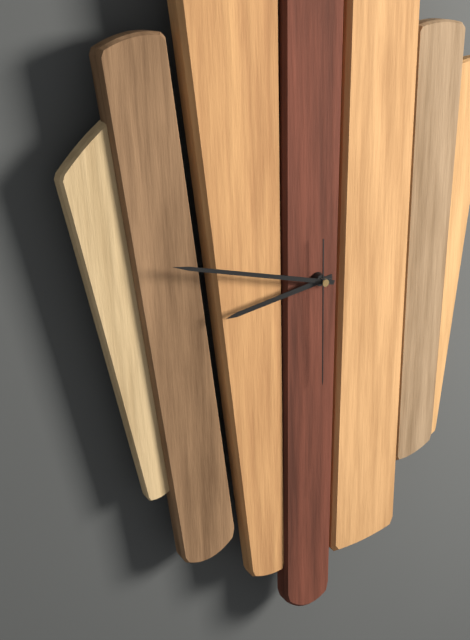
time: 8:48:30
